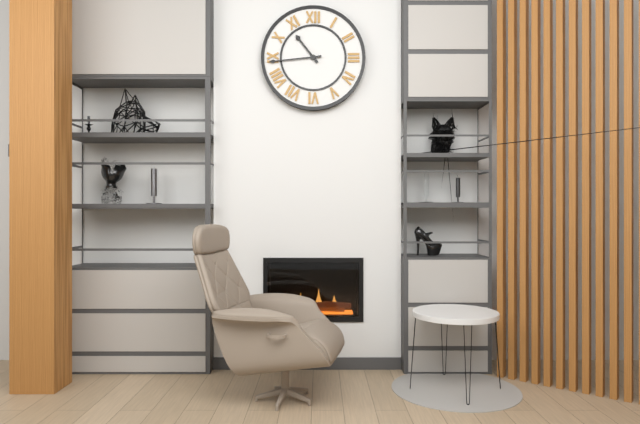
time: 10:44
